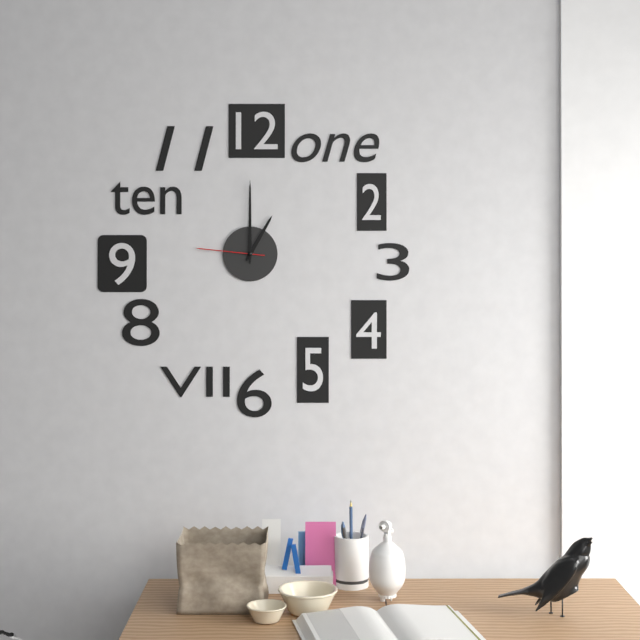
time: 1:00:46
